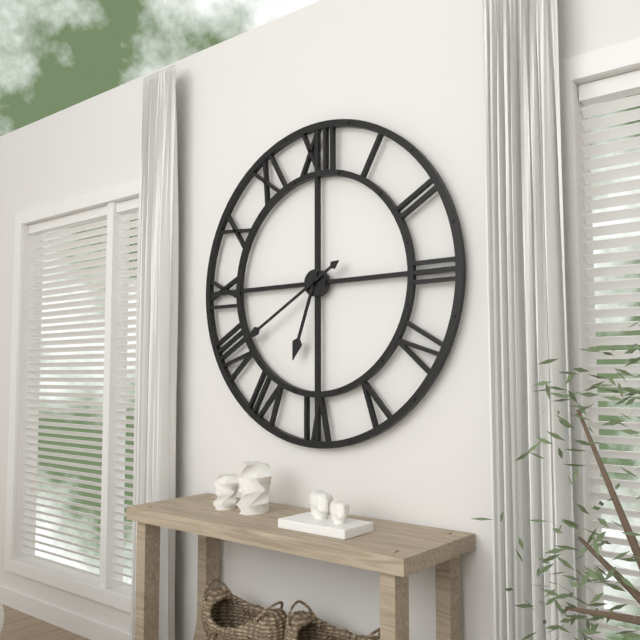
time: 6:40
